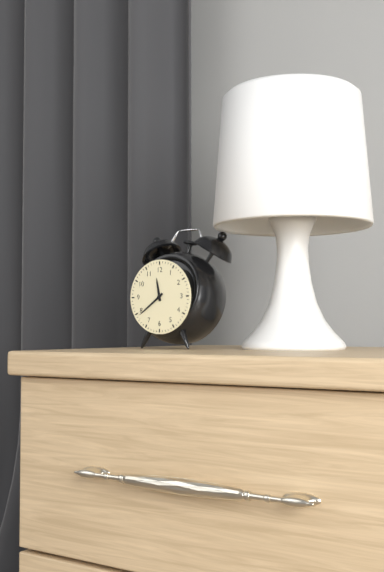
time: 11:39
